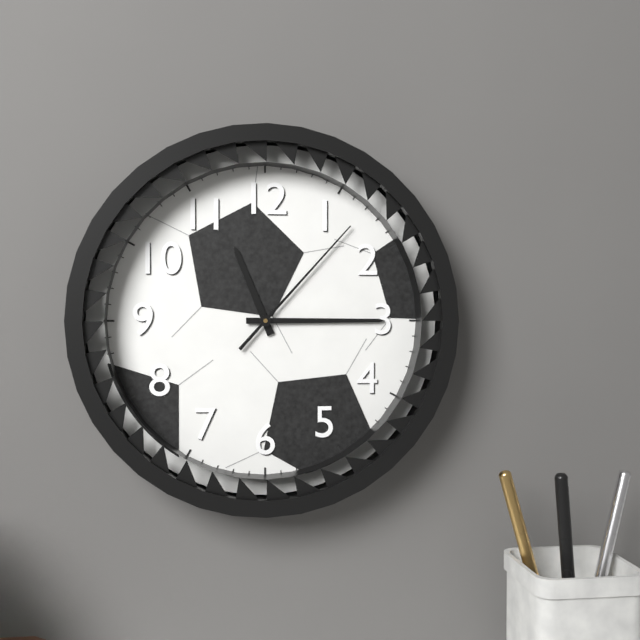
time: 11:15:07
